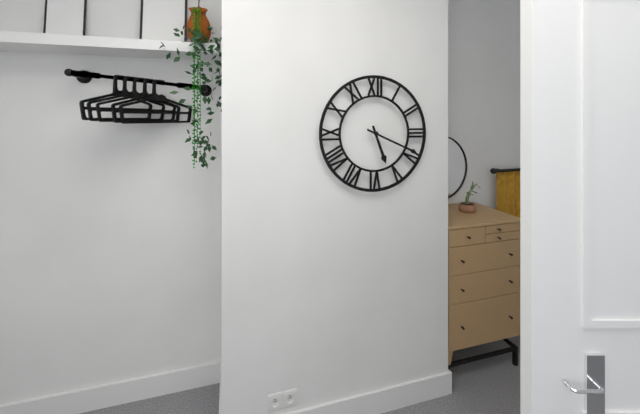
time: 5:19
